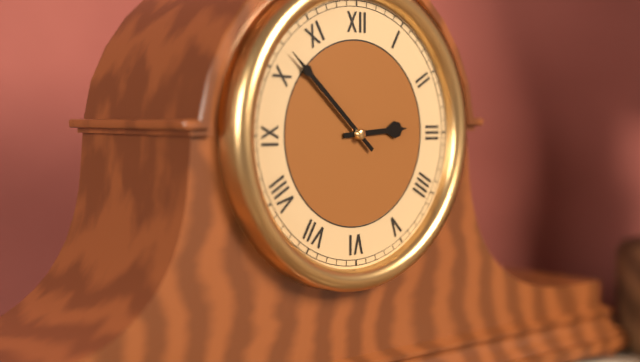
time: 2:52
